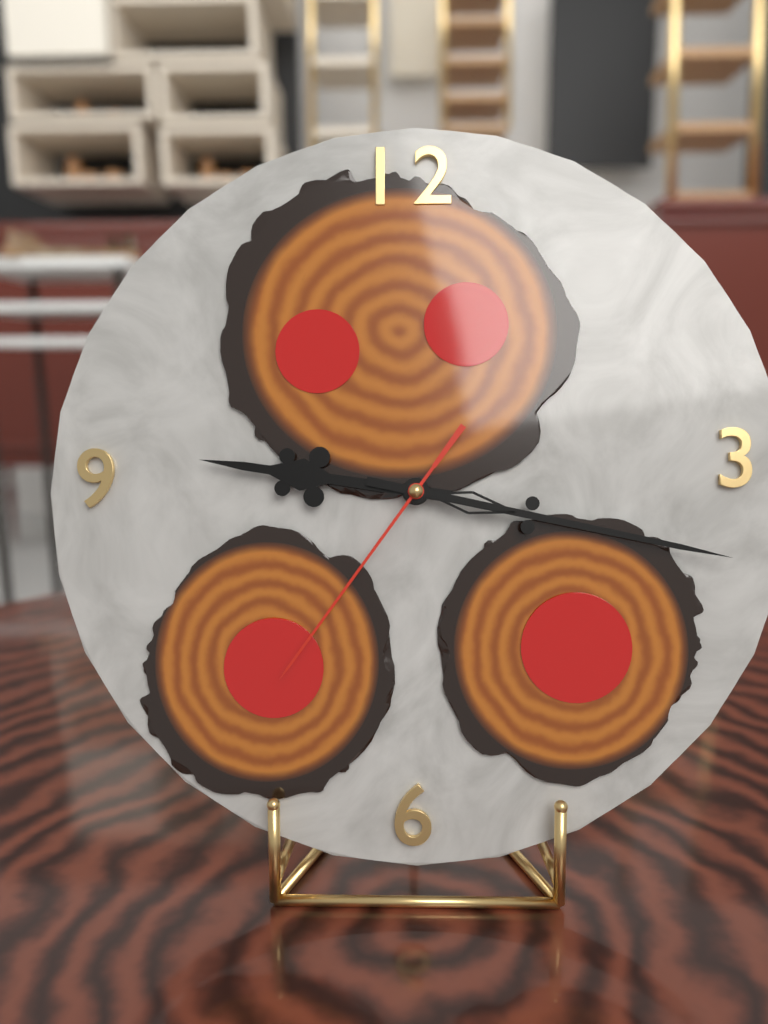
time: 9:17:36
